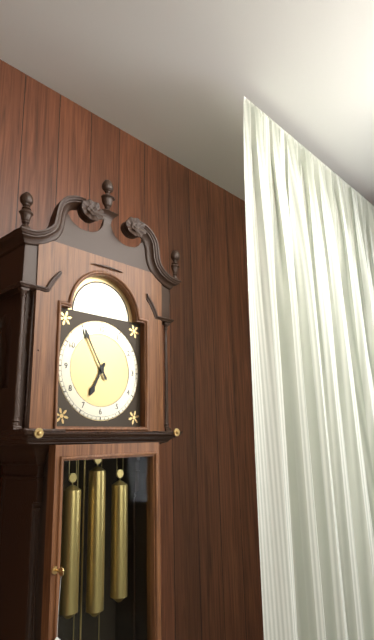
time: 6:55
